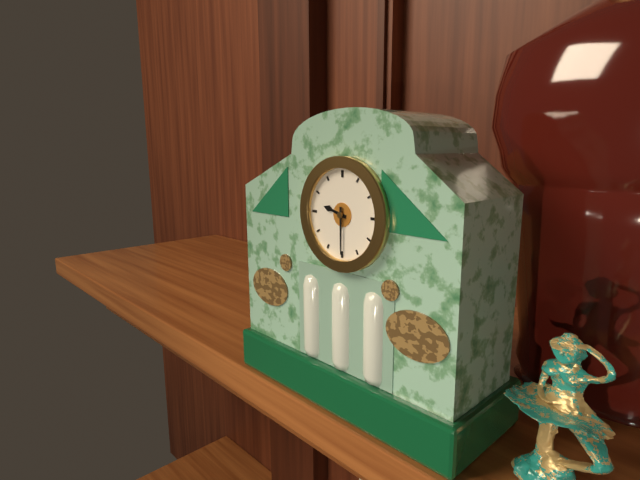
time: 9:30
